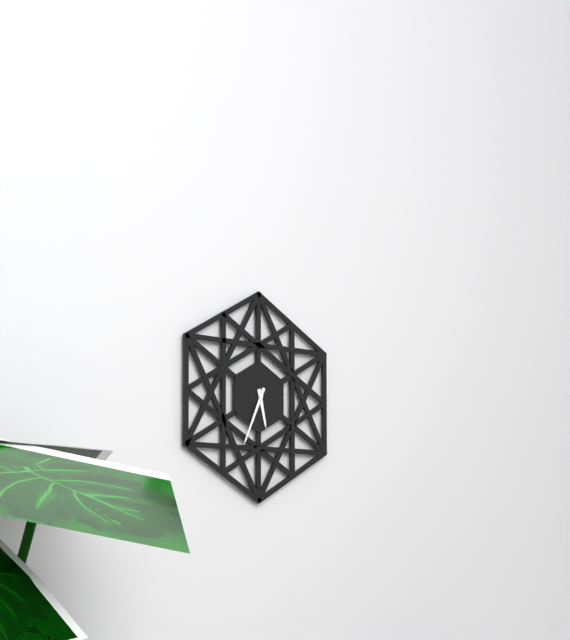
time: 5:34
